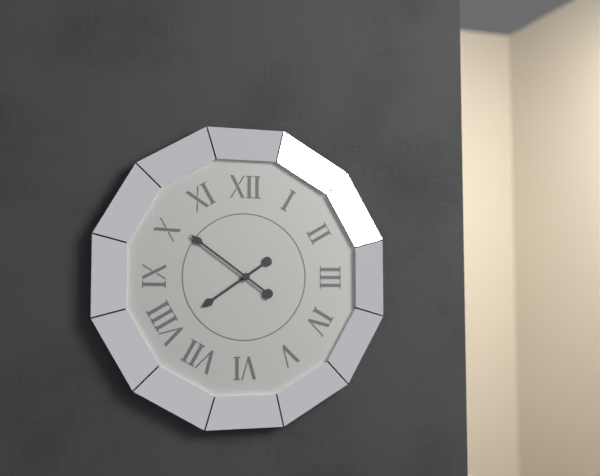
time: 7:51
